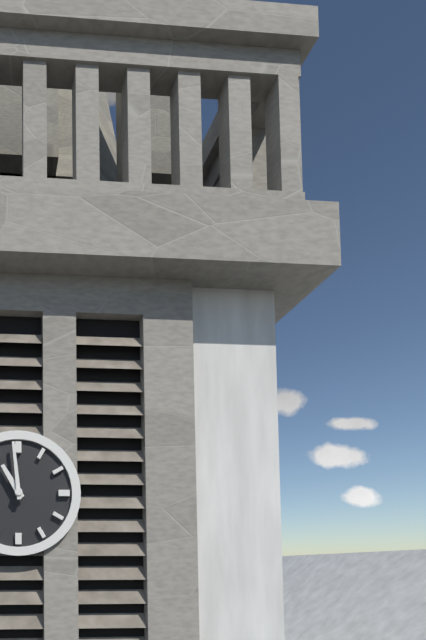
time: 10:59
